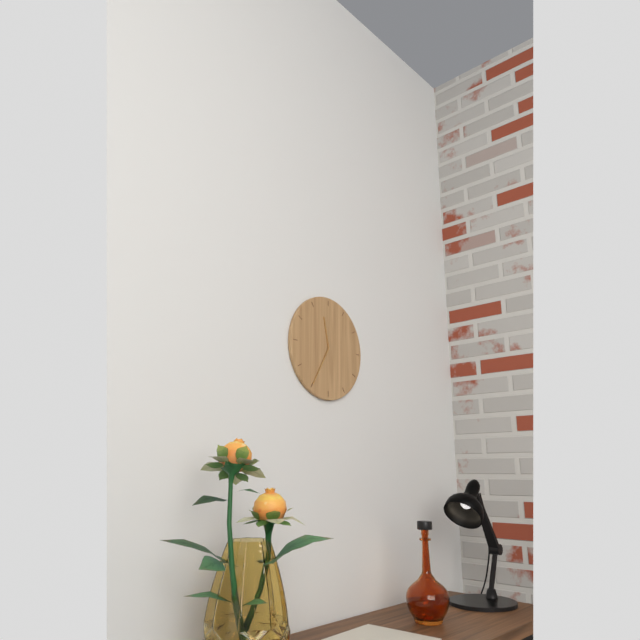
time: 11:35
